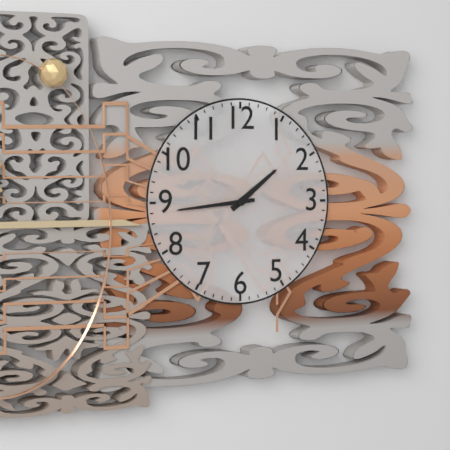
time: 1:44
